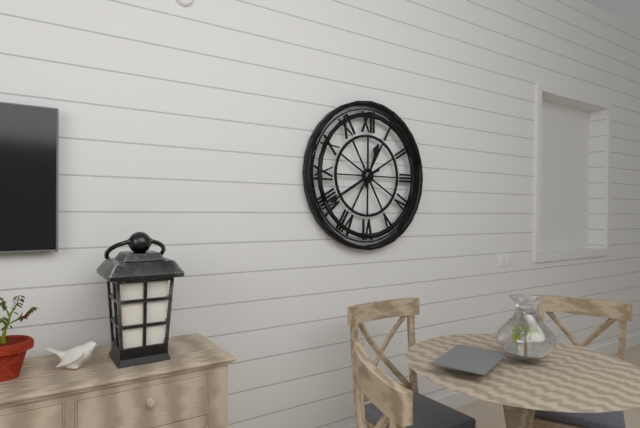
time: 12:40
